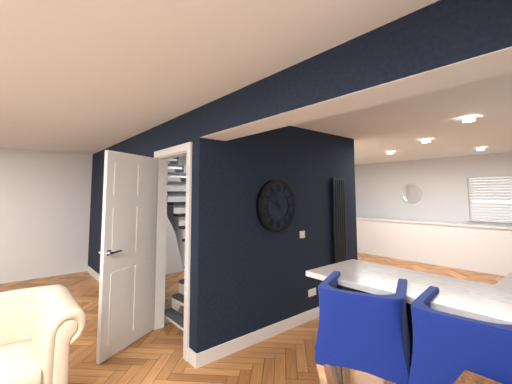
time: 9:56
